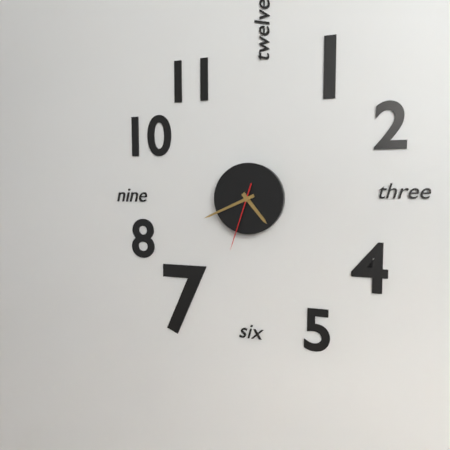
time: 4:41:33
